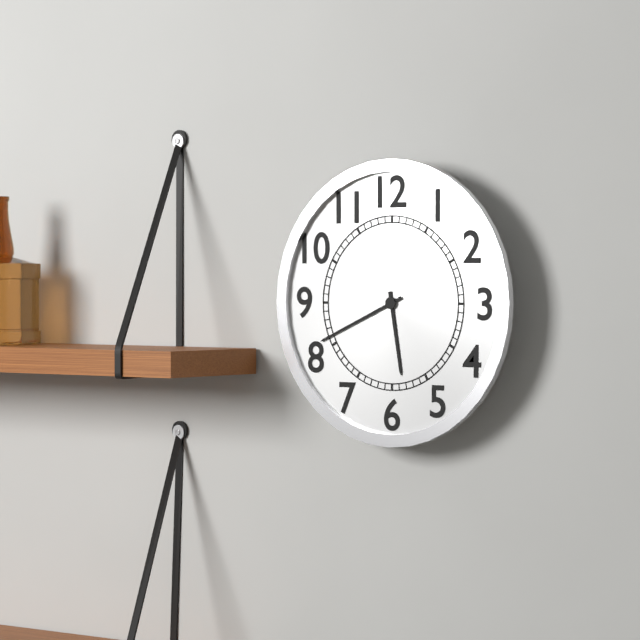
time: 5:41
